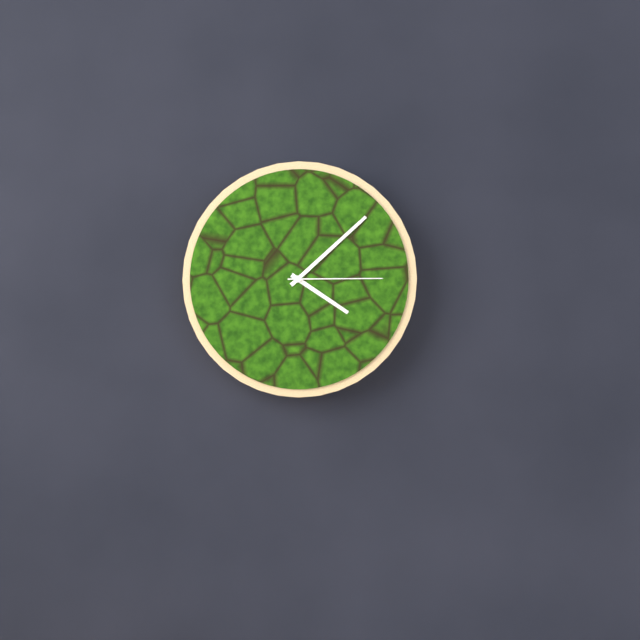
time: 4:08:15
